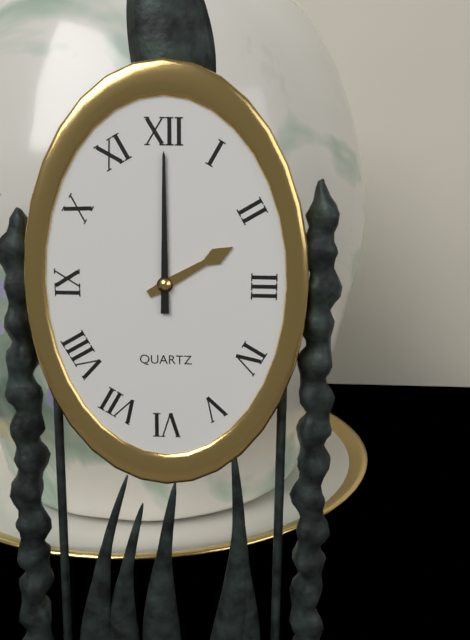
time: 2:00
